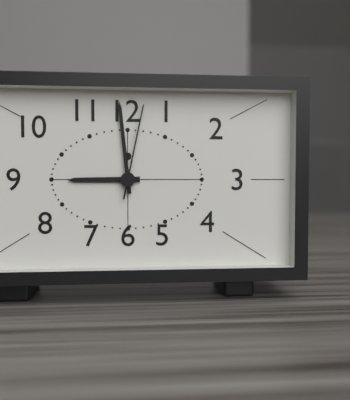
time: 8:59:02
